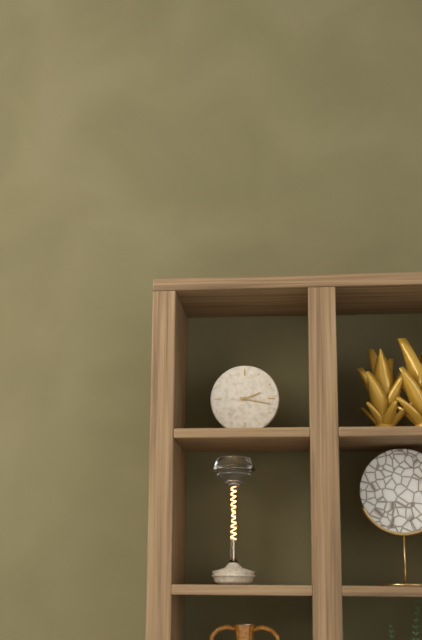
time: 2:17
